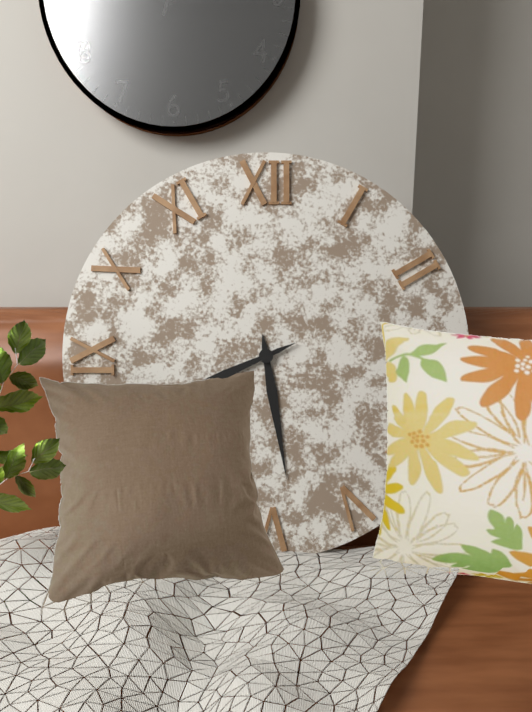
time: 5:41
